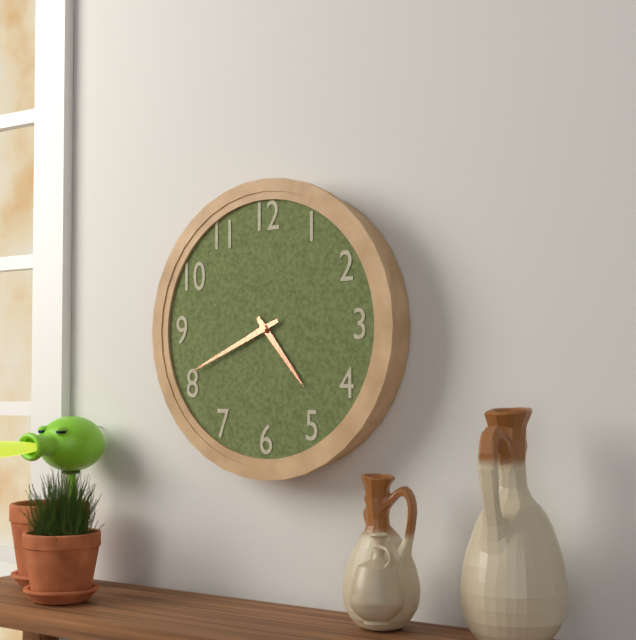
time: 4:41
